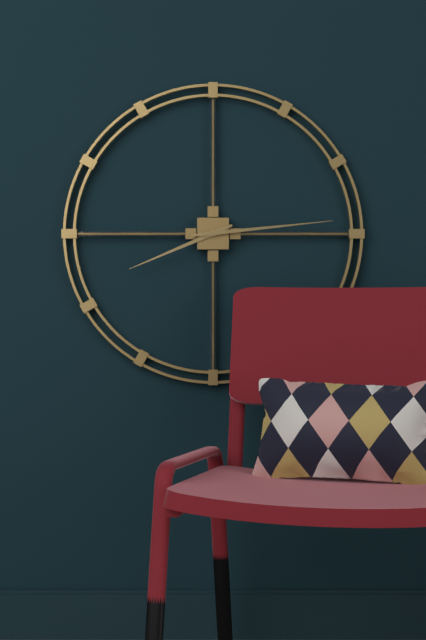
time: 8:14
